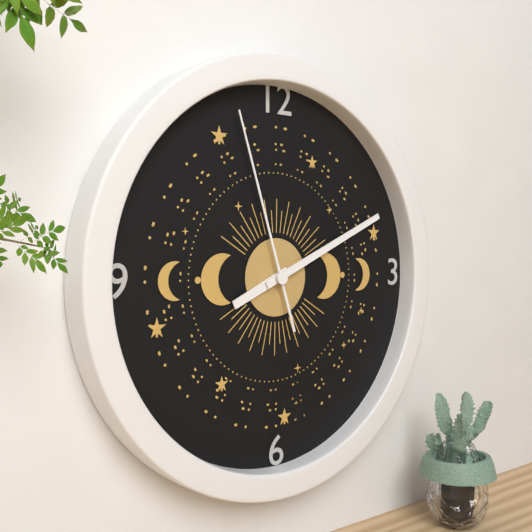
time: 8:11:57
